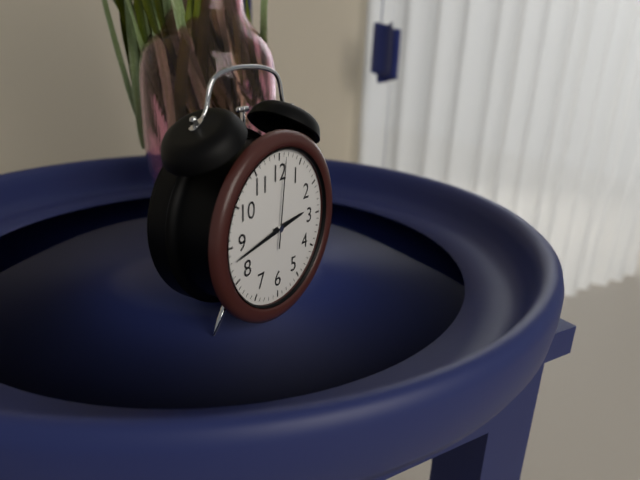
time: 2:43:01
